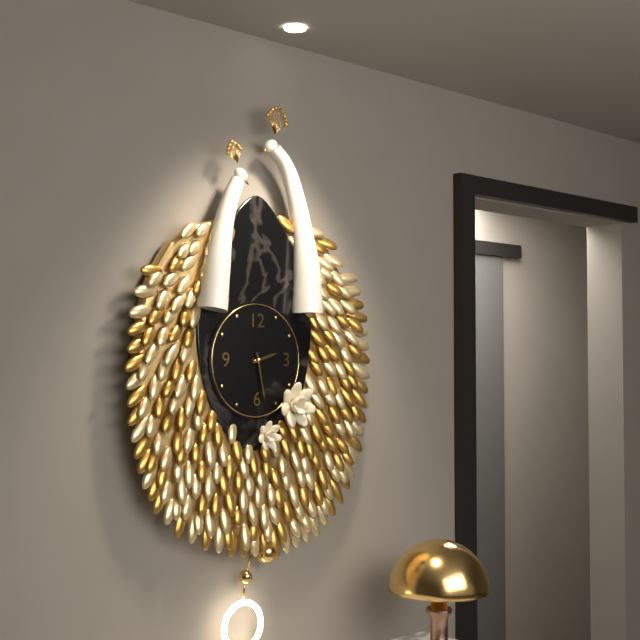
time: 2:28
